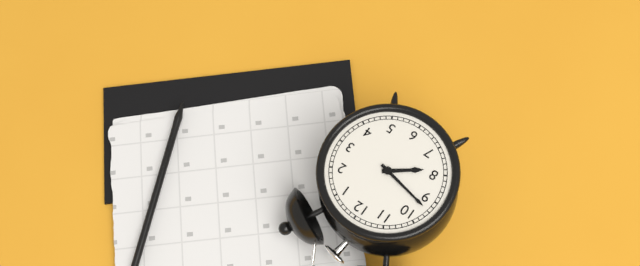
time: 7:47
